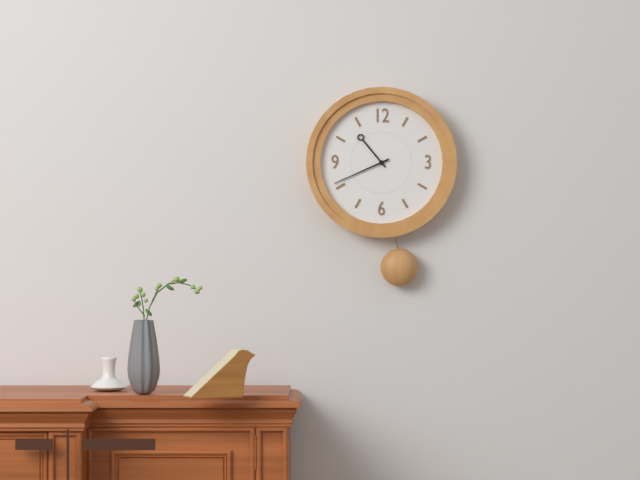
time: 10:41
